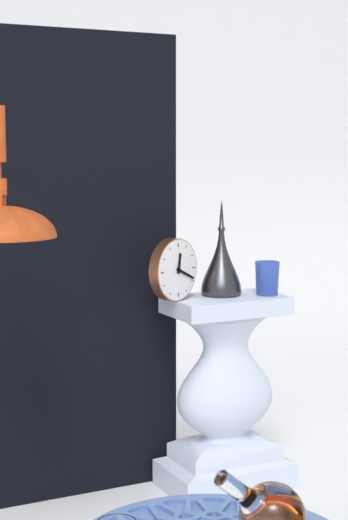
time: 12:19
